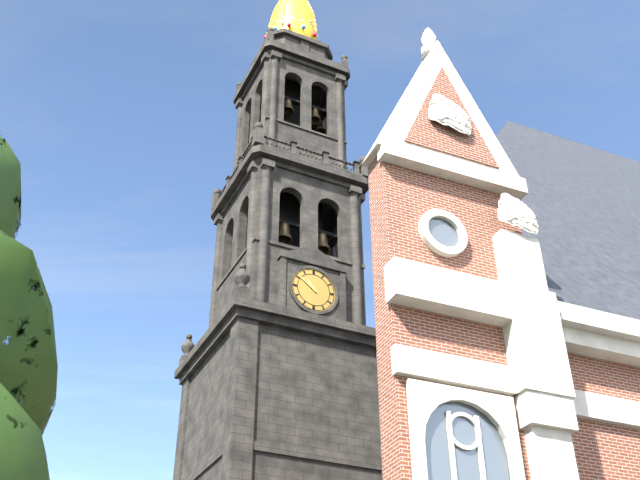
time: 10:51
